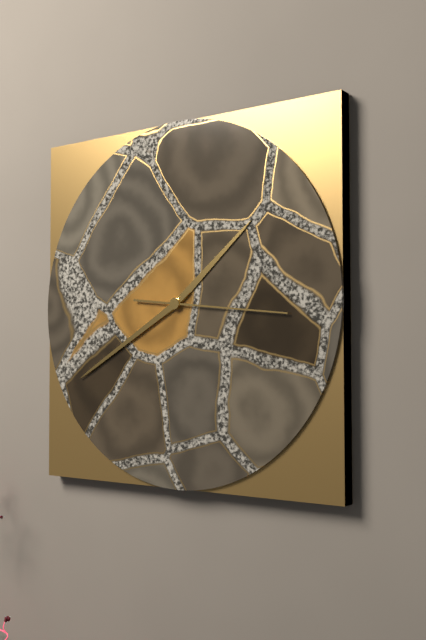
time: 1:40:16
